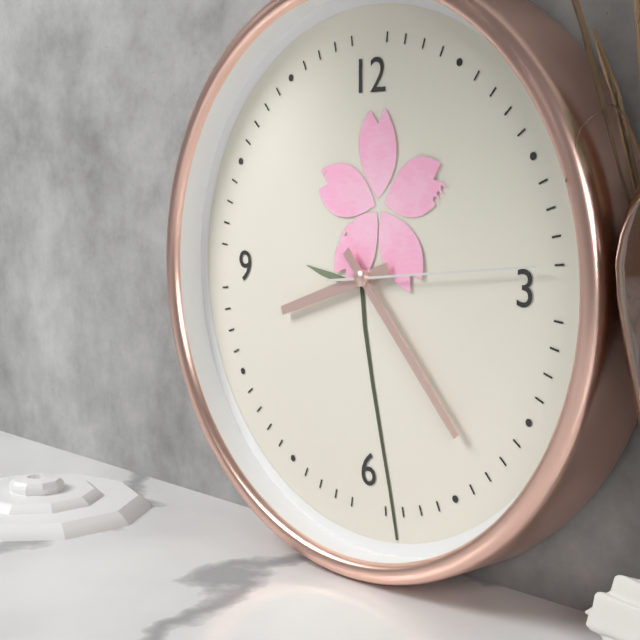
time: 8:23:14
